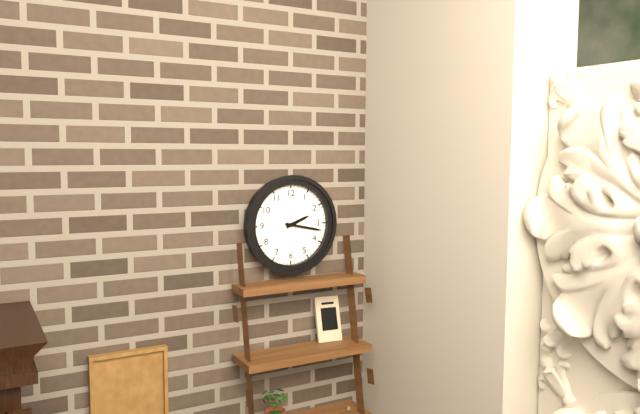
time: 2:17
